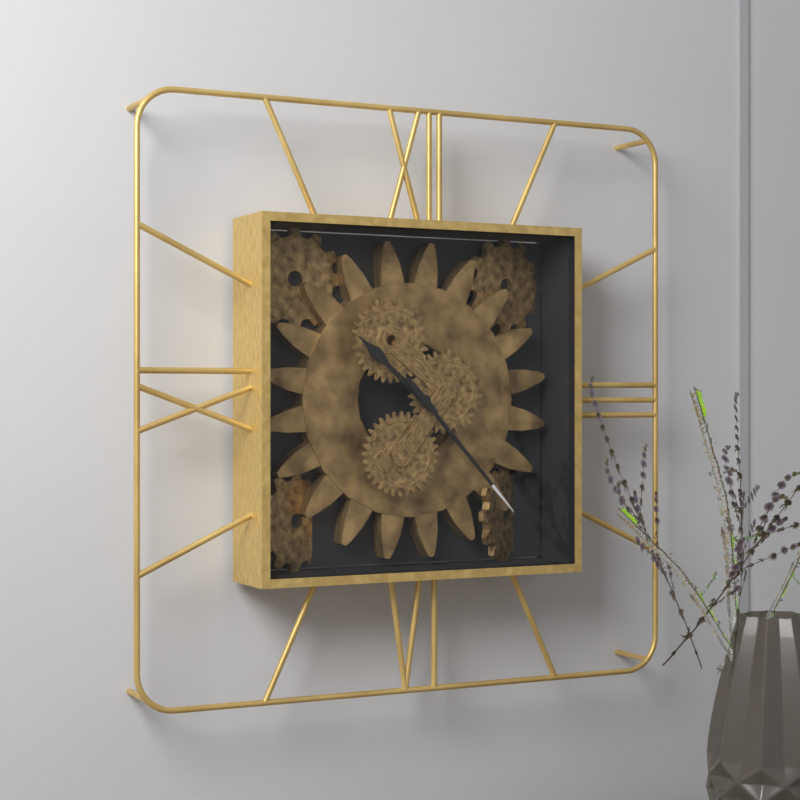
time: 10:23
